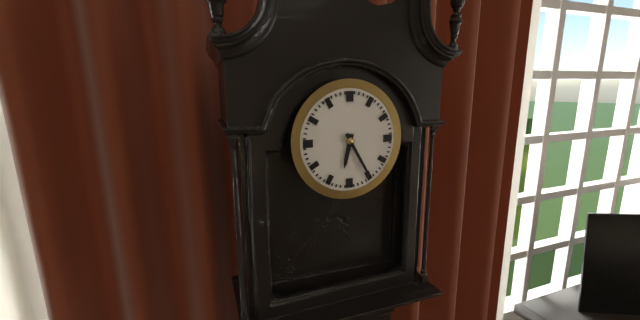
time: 6:25
